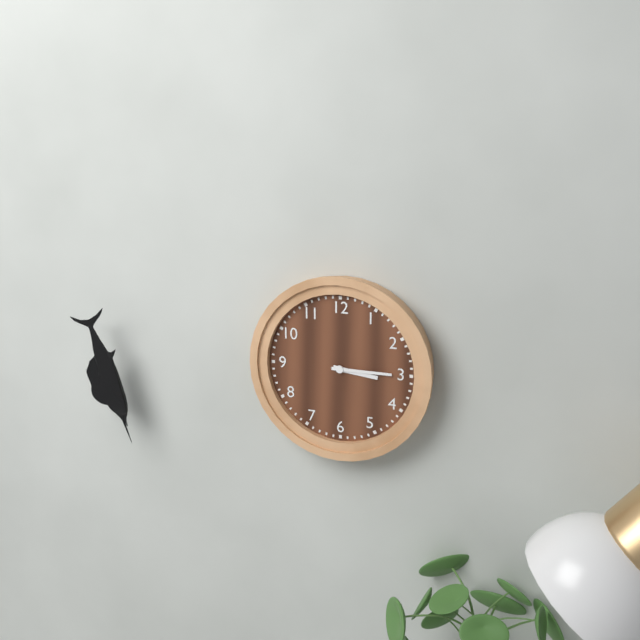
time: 3:15
